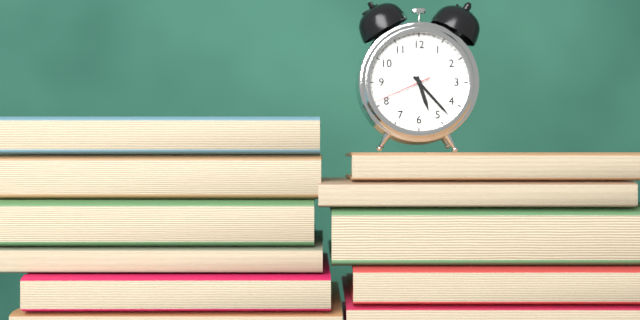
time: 5:23:41
